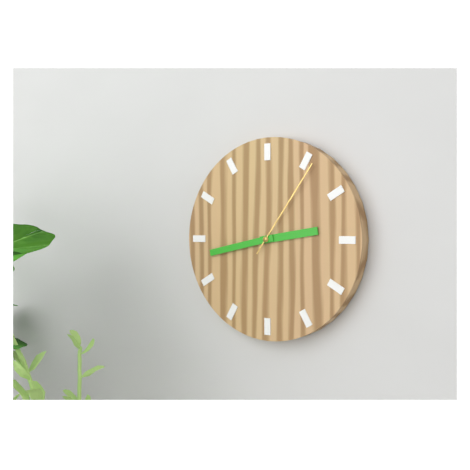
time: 2:43:06
